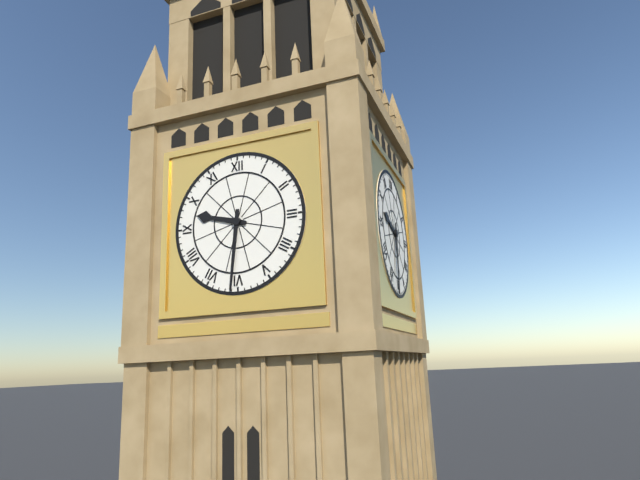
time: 9:31
